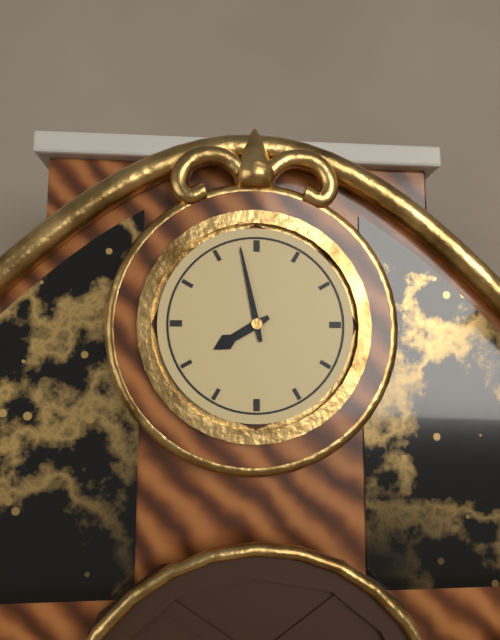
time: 7:58
